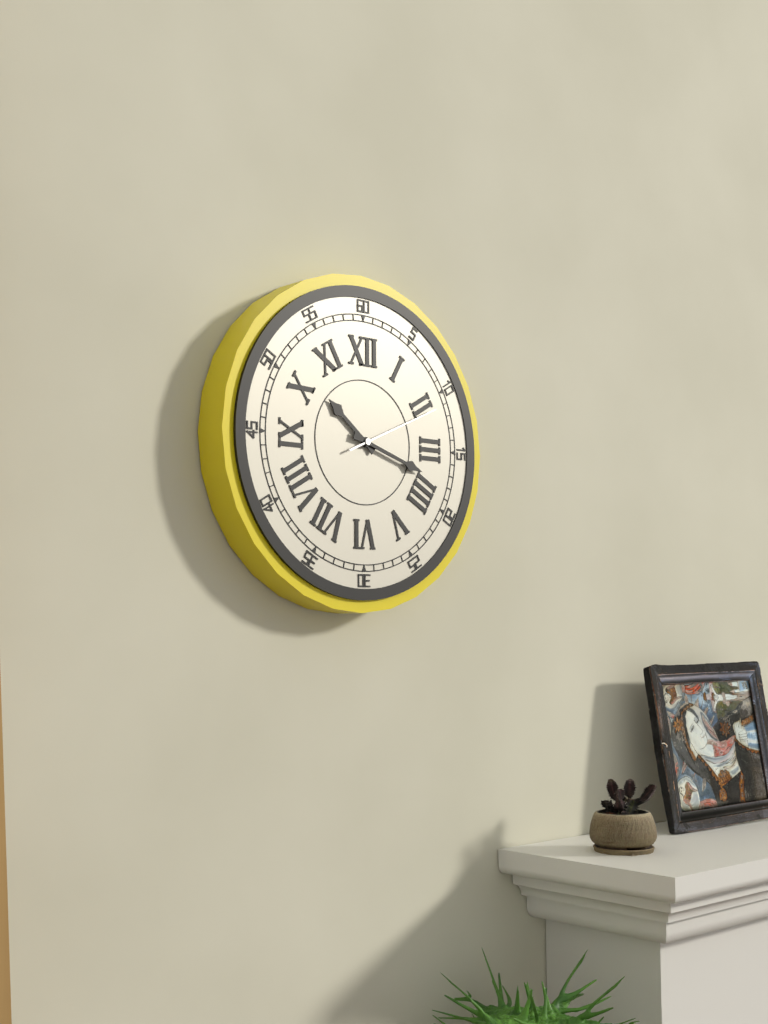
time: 10:18:11
